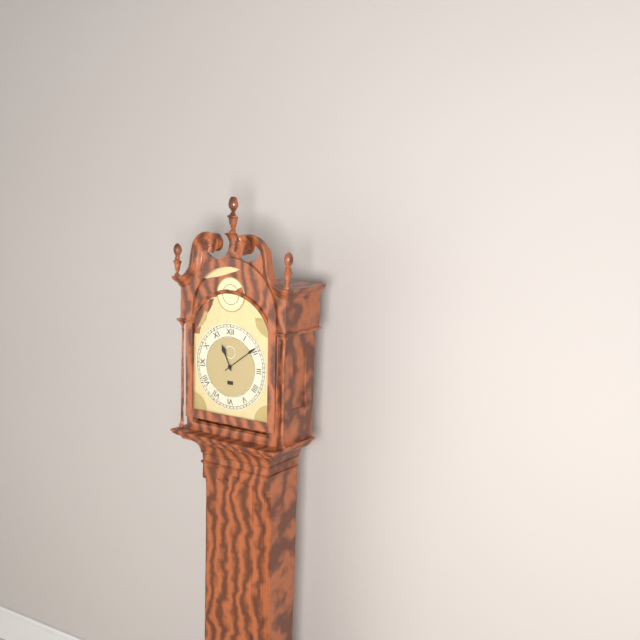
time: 11:09
